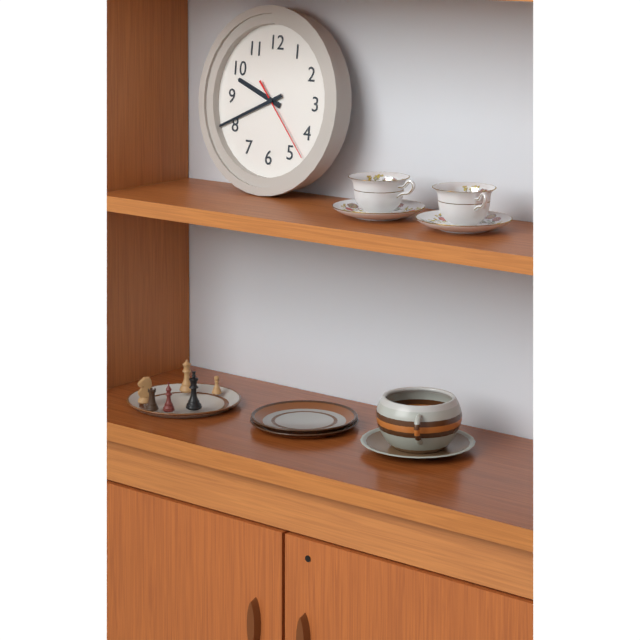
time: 9:41:23
